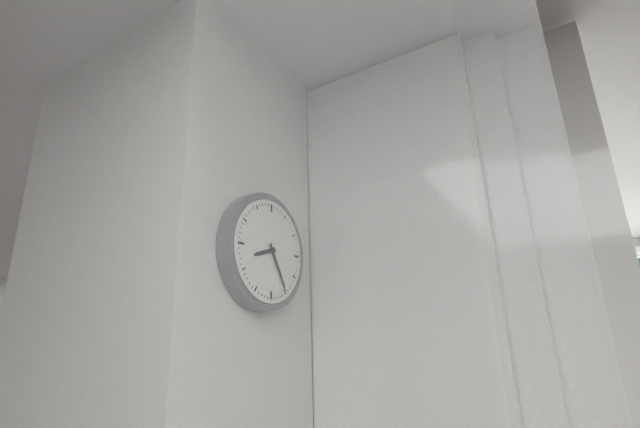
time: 8:25
